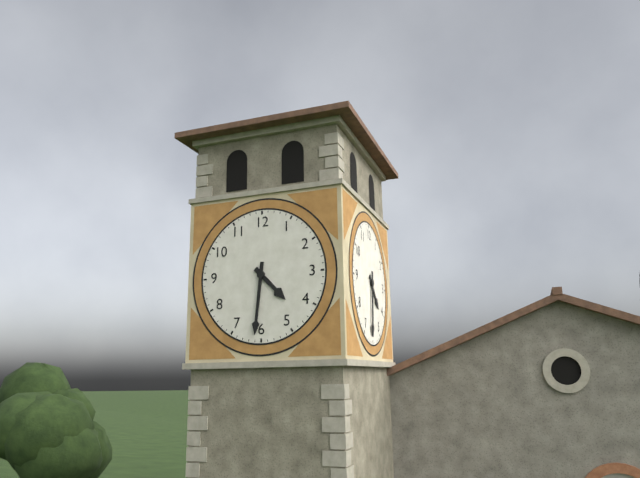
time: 4:31
